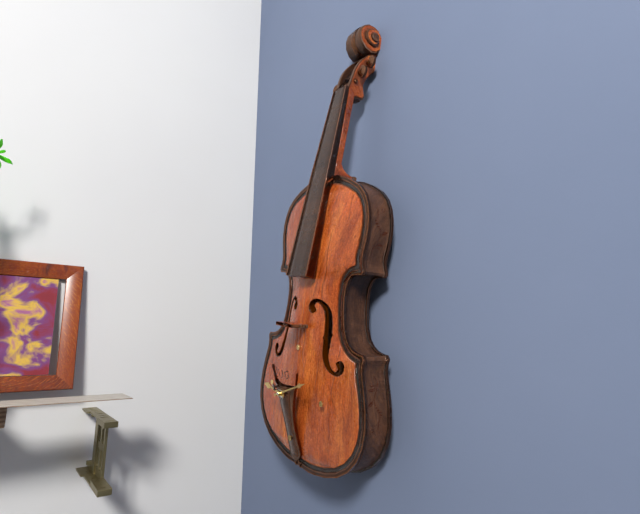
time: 9:11
